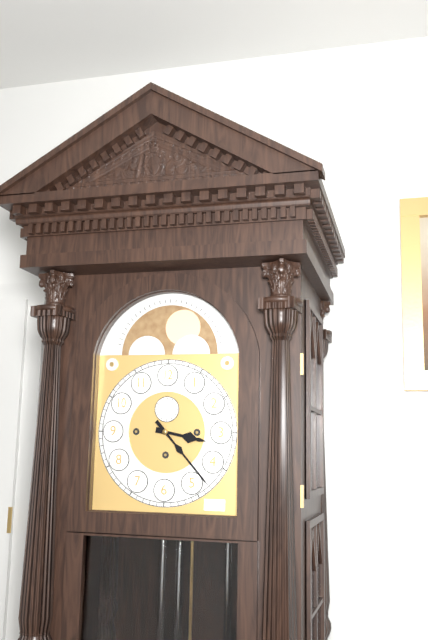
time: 3:23
